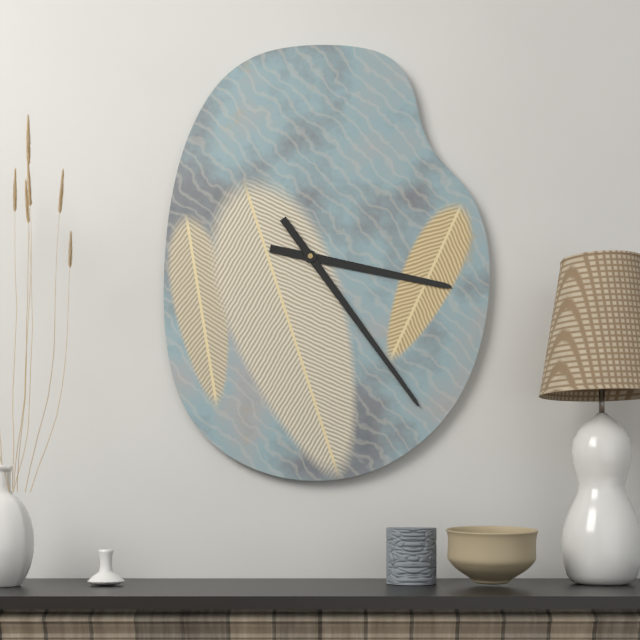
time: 3:24
